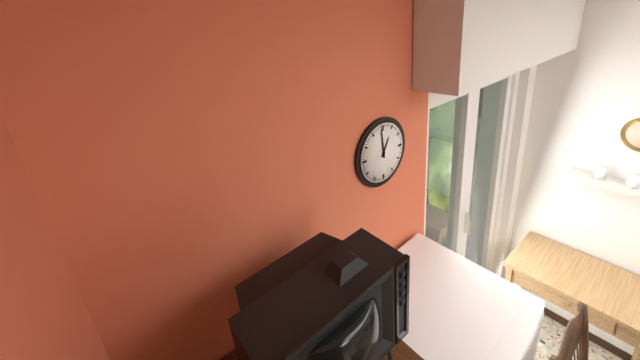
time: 12:59
